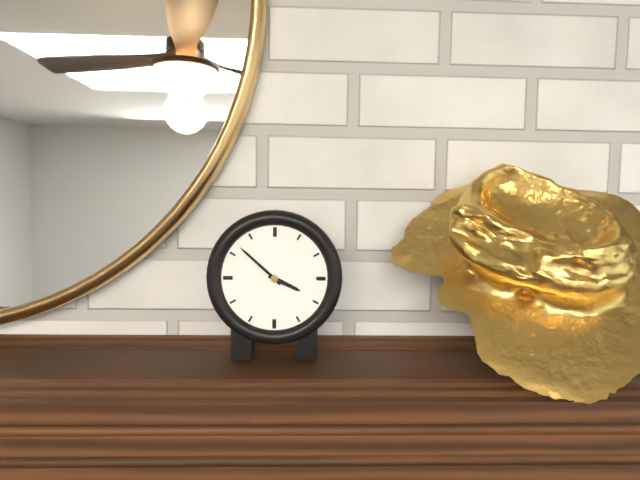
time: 3:52
